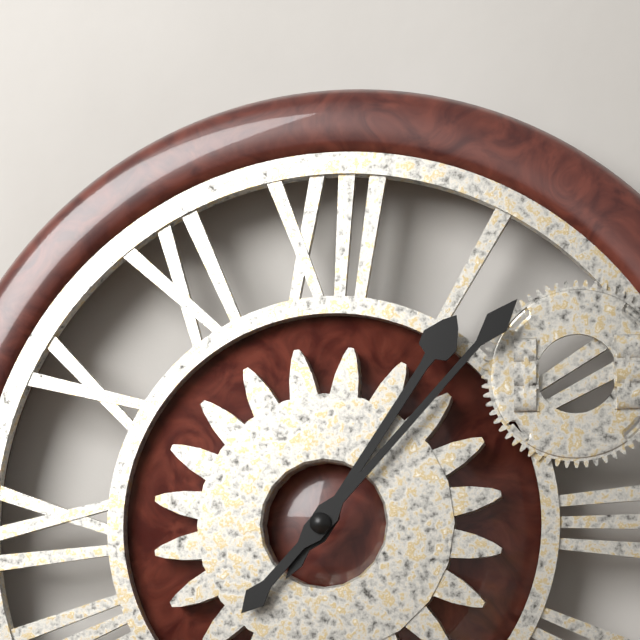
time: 1:07
